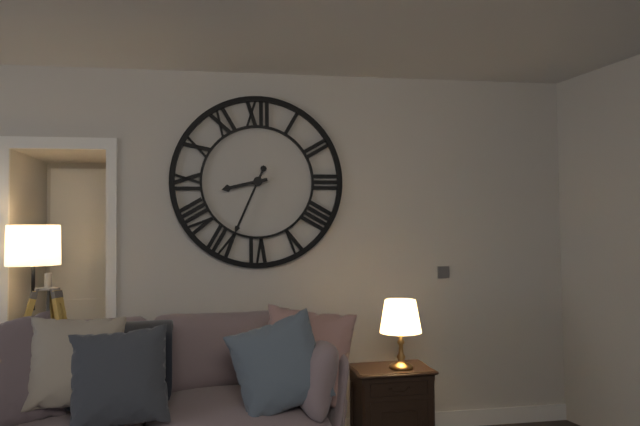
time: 8:34
